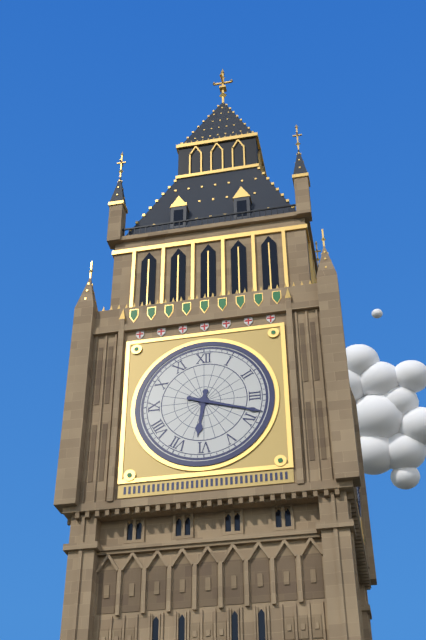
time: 6:18
